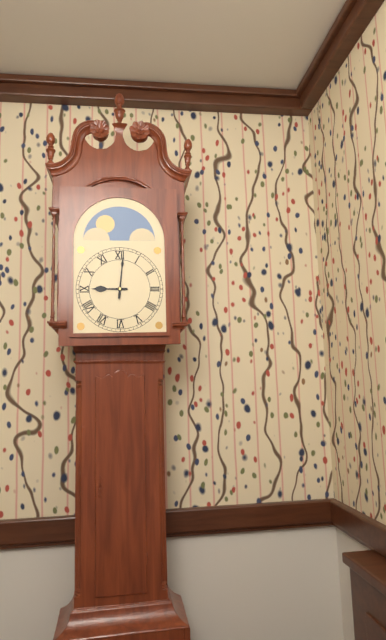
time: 9:01
